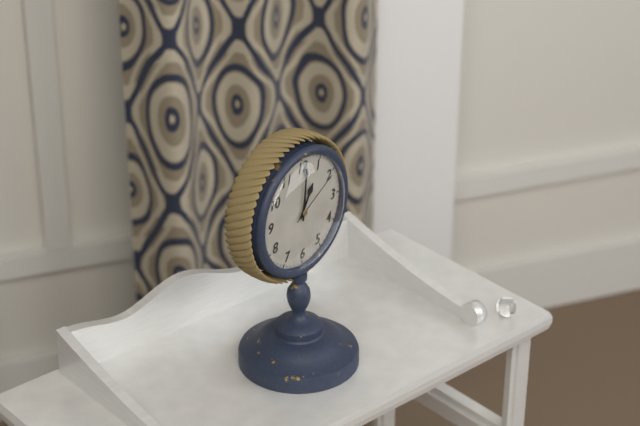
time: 1:01:10
